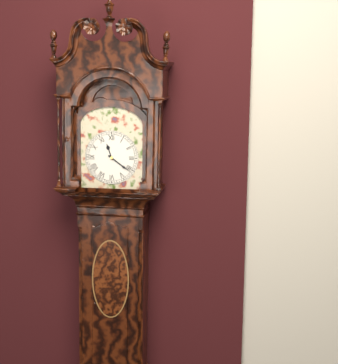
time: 11:21
